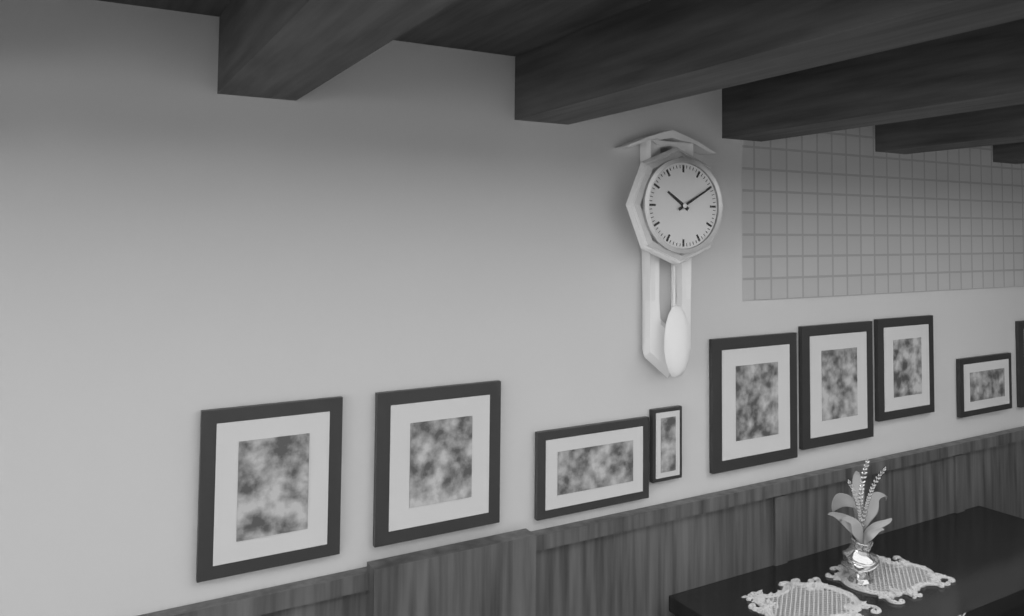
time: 10:10
